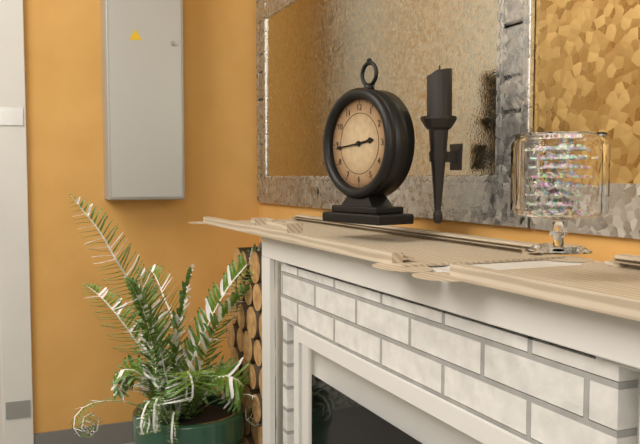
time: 2:44
